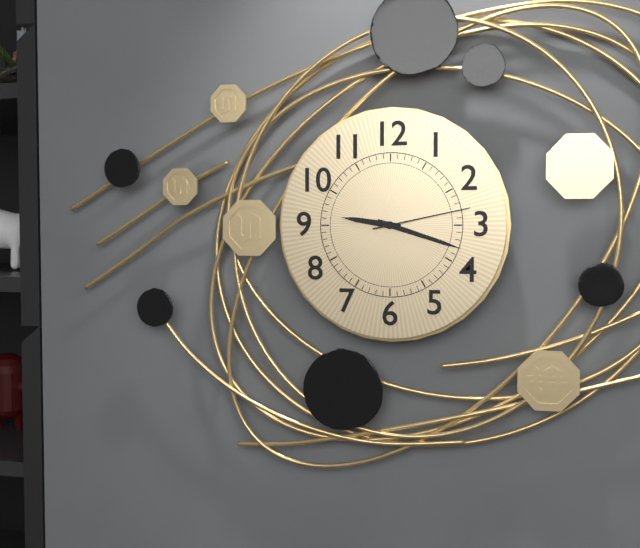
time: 9:18:13
